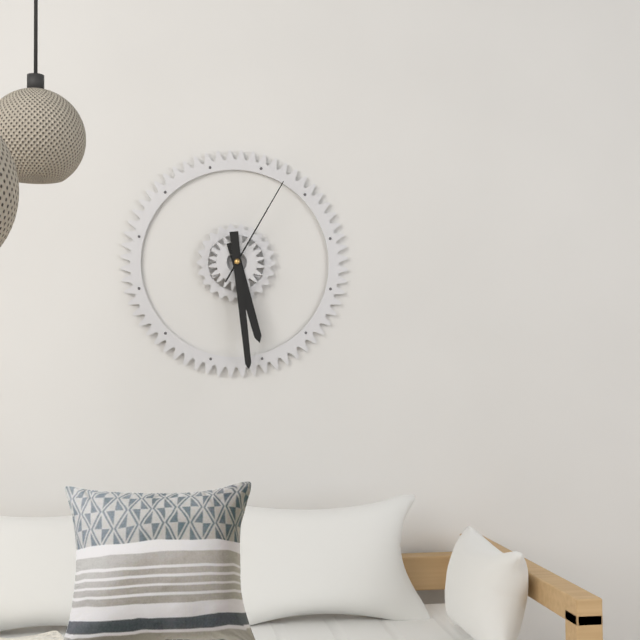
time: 5:29:05
